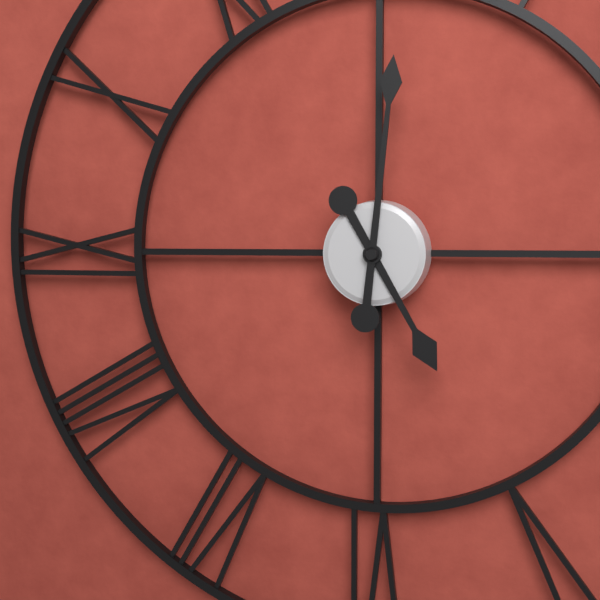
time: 5:01
